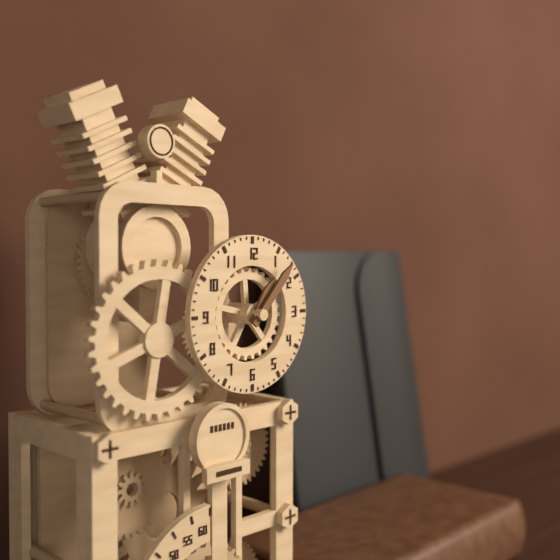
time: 1:07
